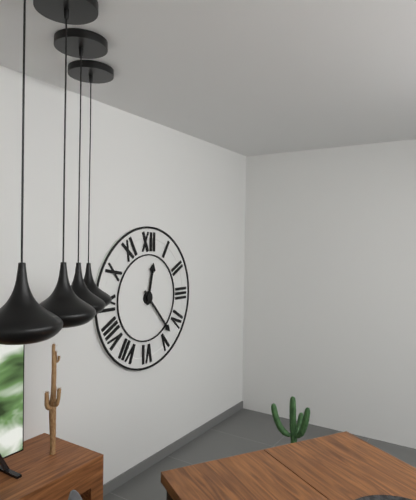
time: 12:23
